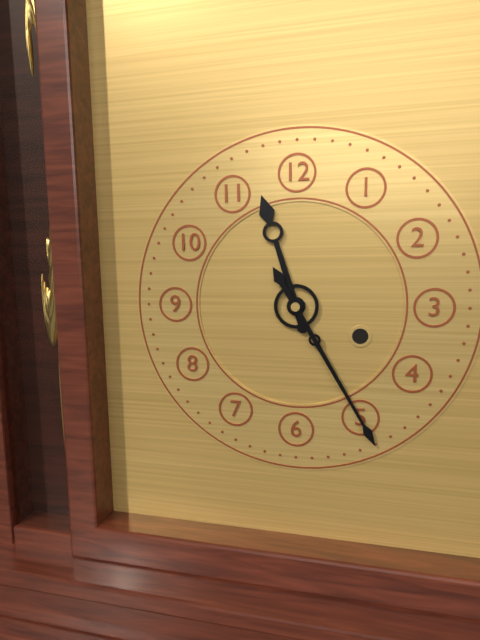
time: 11:25
